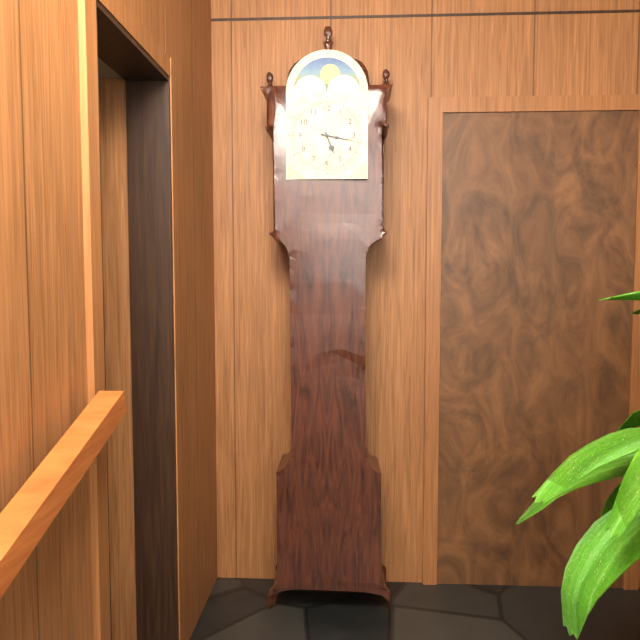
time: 5:17
